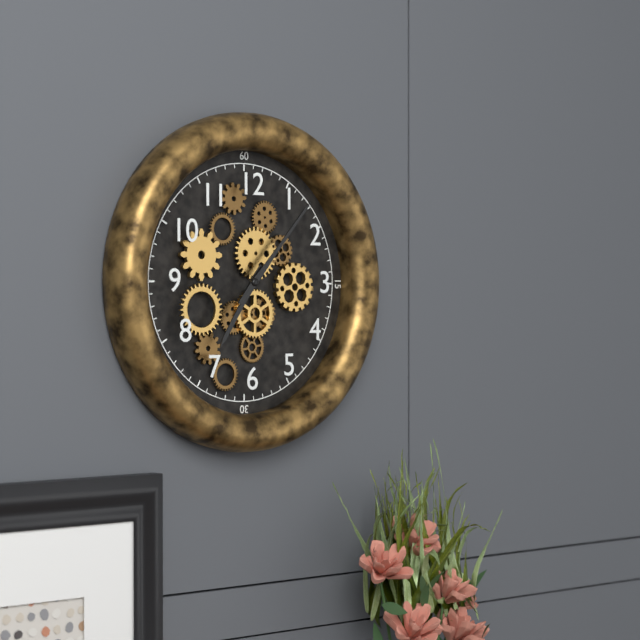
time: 7:07
